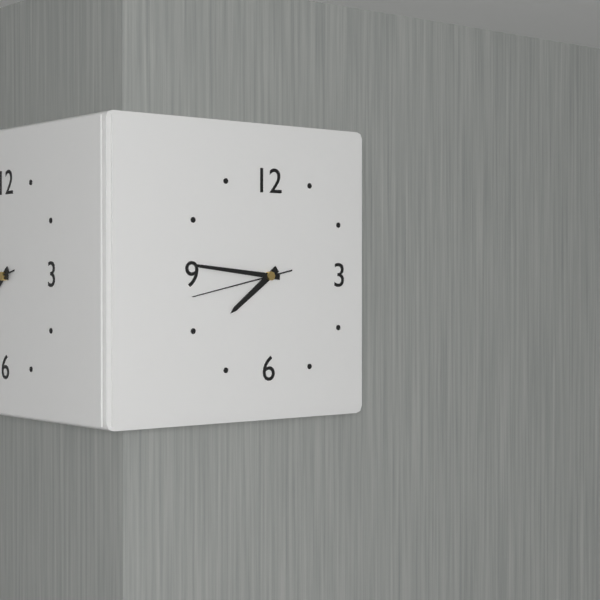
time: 7:46:43
